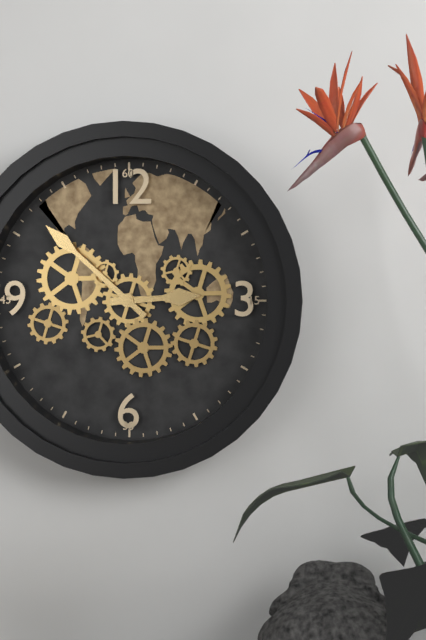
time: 2:52
